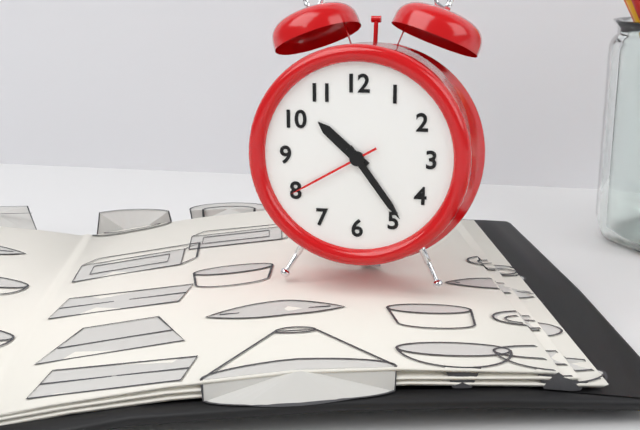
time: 10:24:40
